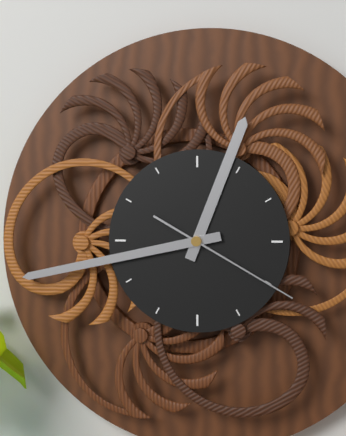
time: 12:43:20
